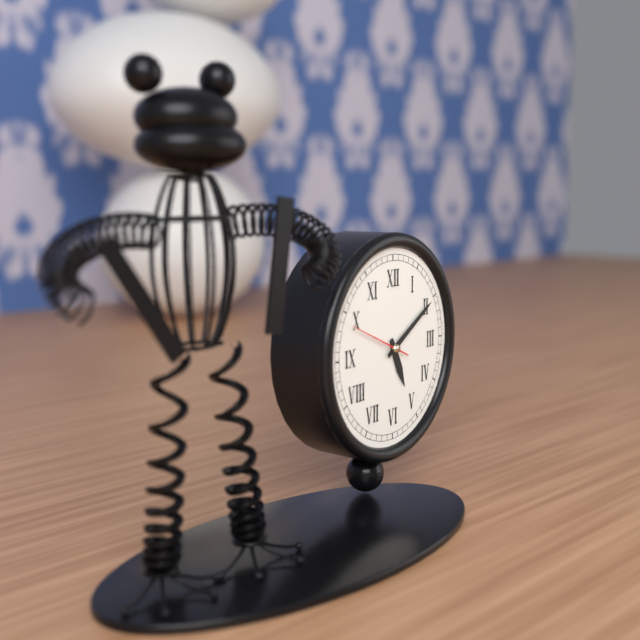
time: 5:10
